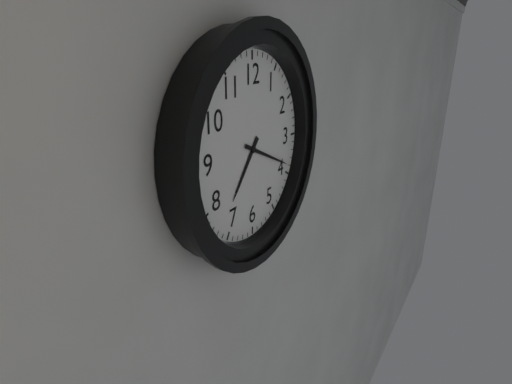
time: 7:19
